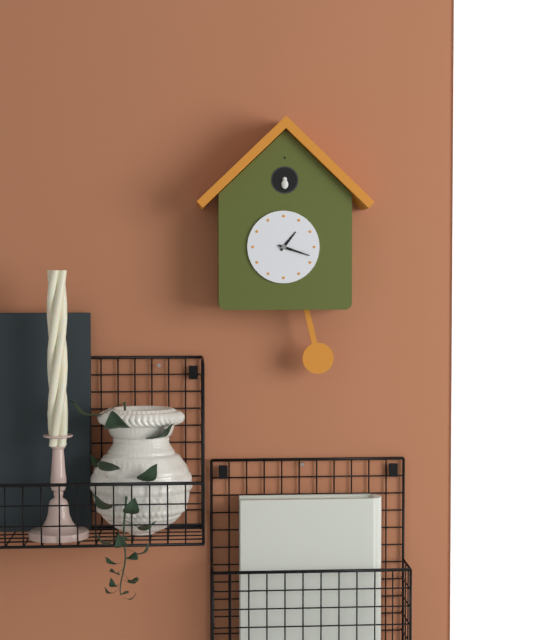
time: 1:18
